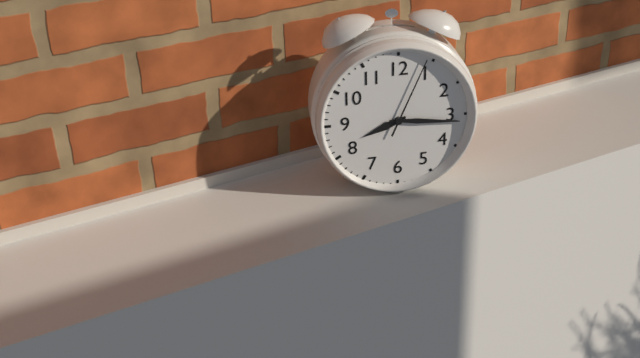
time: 8:16:04
